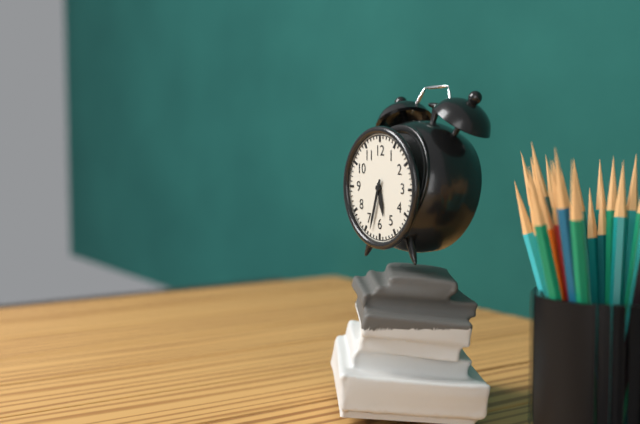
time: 5:33
